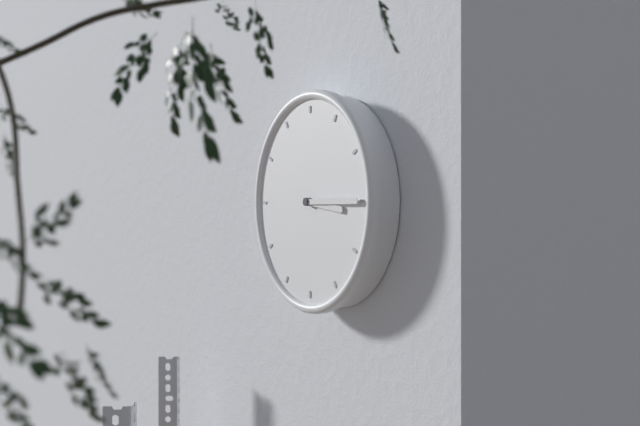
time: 3:15
